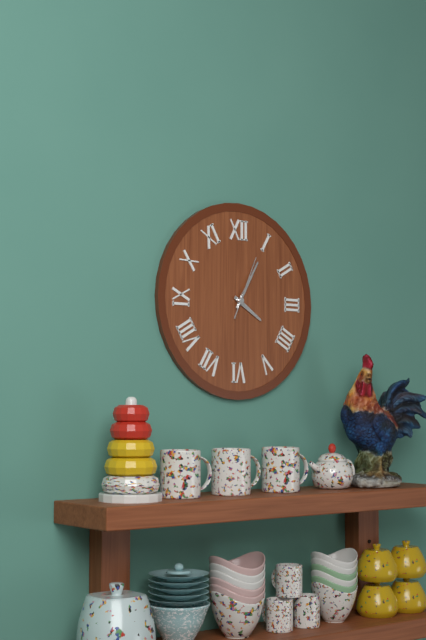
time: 4:05:04
